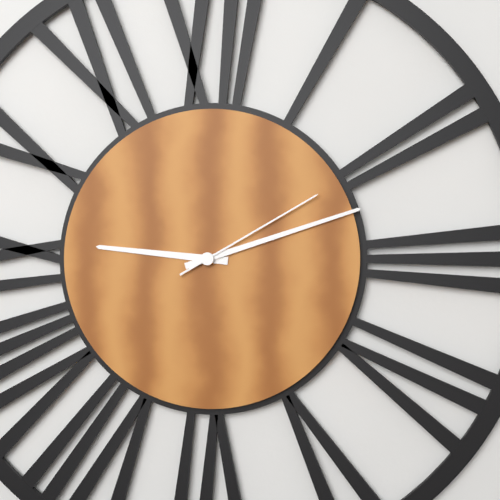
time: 9:12:10
